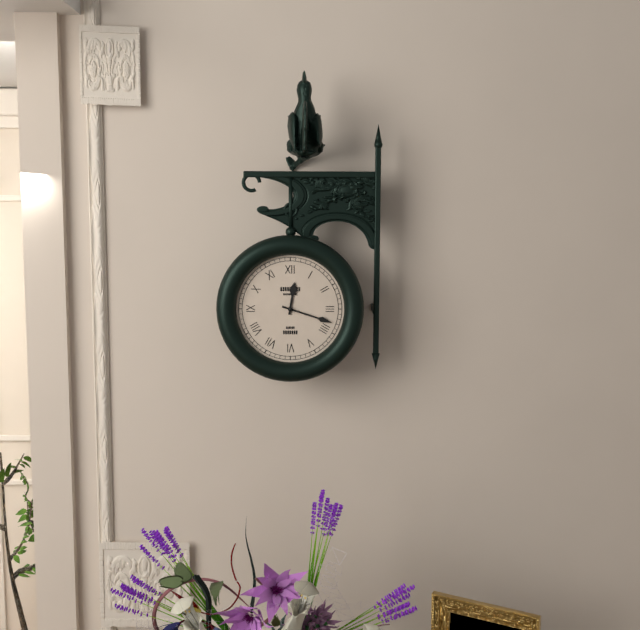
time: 12:18
